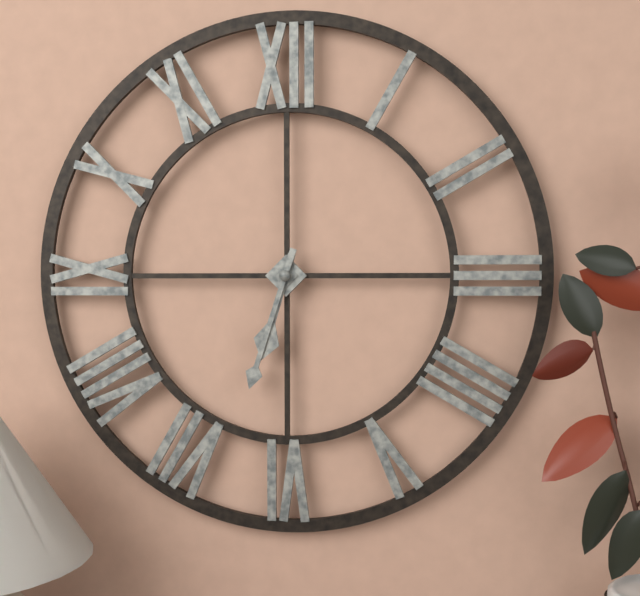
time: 6:33
